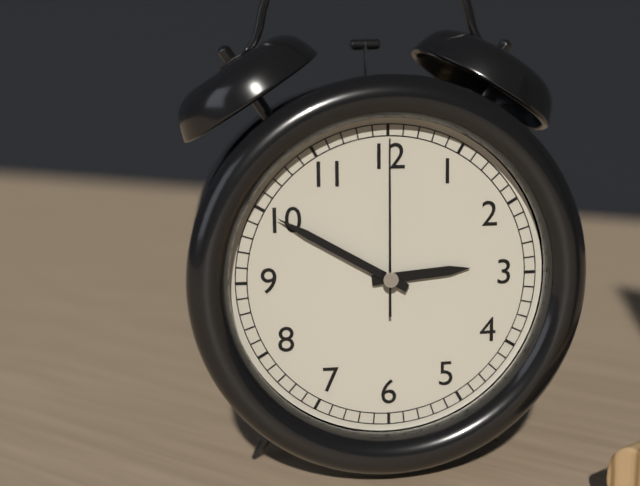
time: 2:50:00
